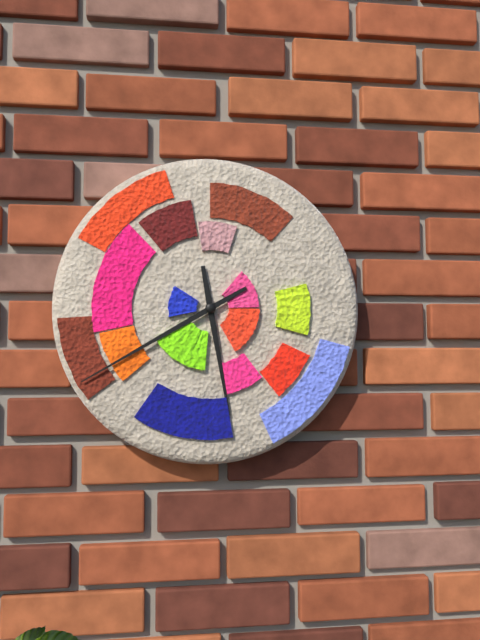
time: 5:40
